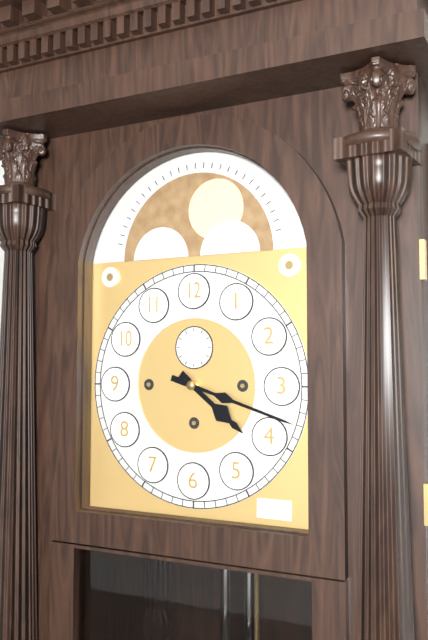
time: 4:18
